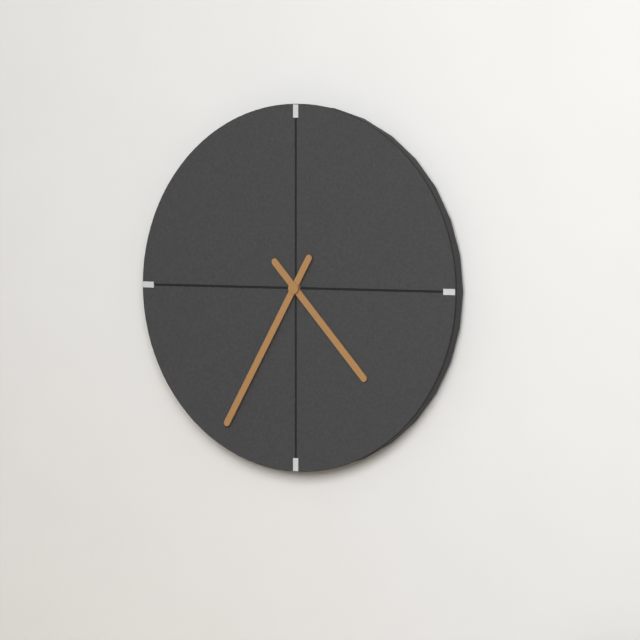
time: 4:35
